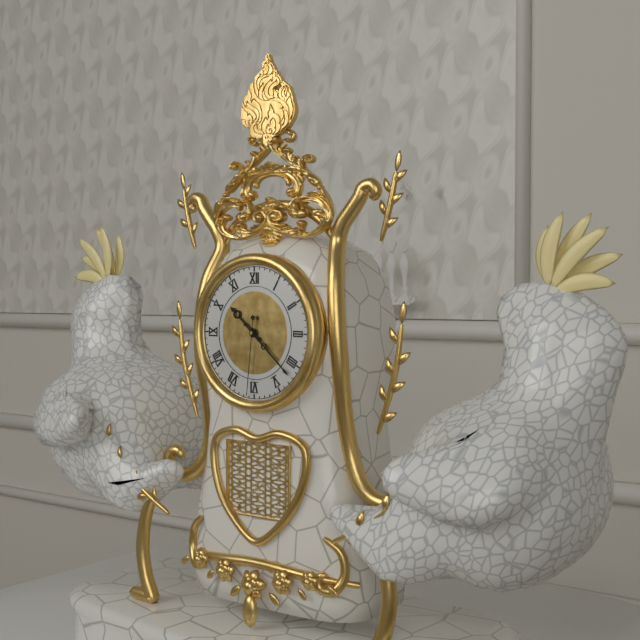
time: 10:22:31
